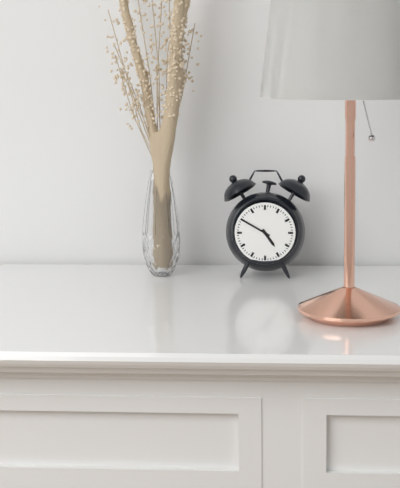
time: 4:50
